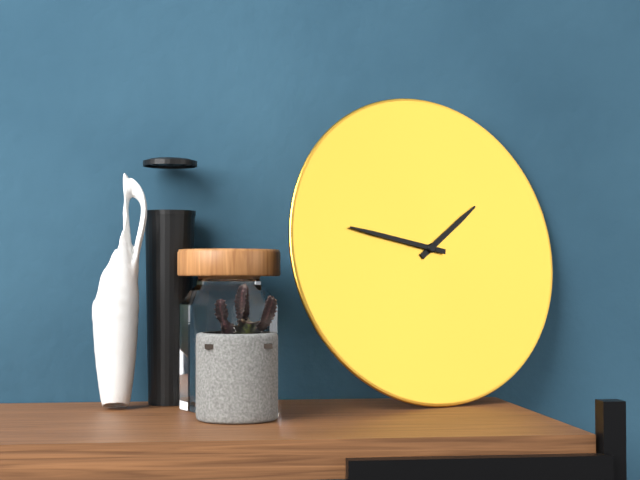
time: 1:47
